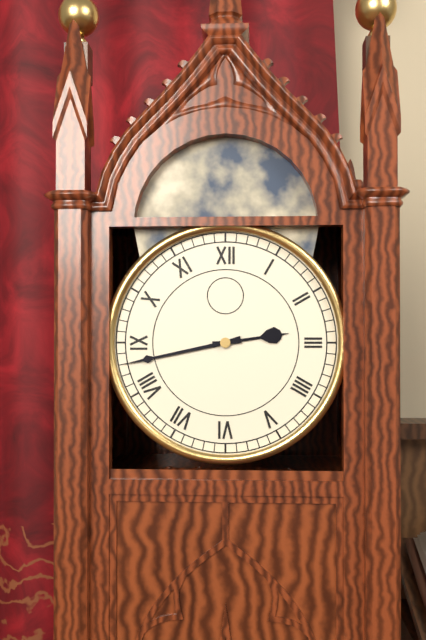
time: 2:43
